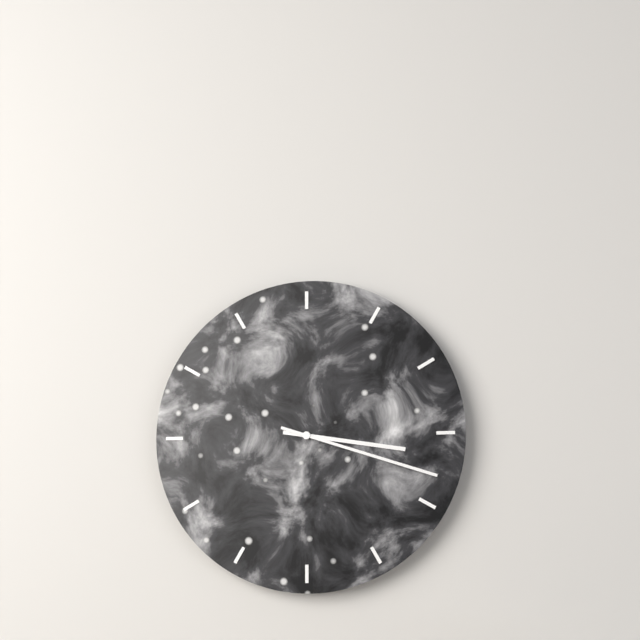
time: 3:18
